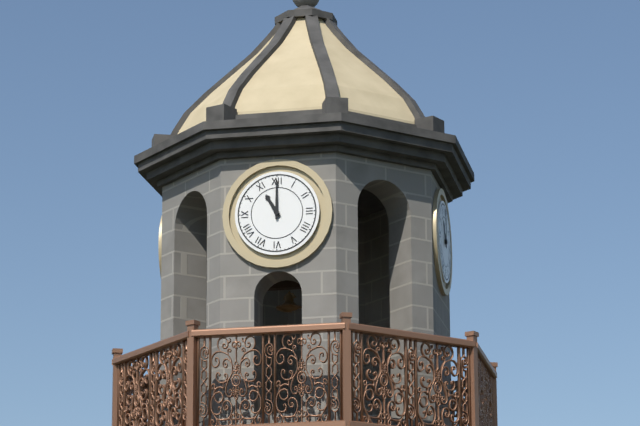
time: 11:00
